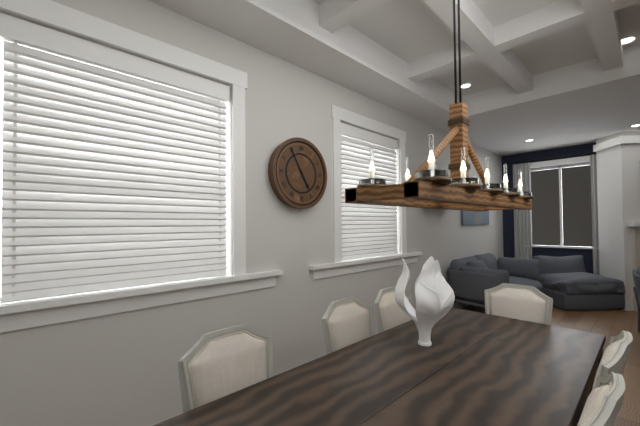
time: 4:55
